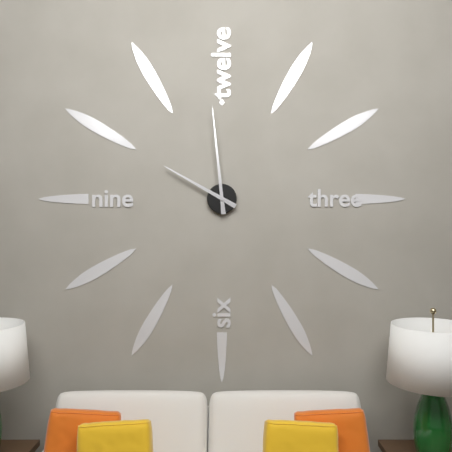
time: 9:59
